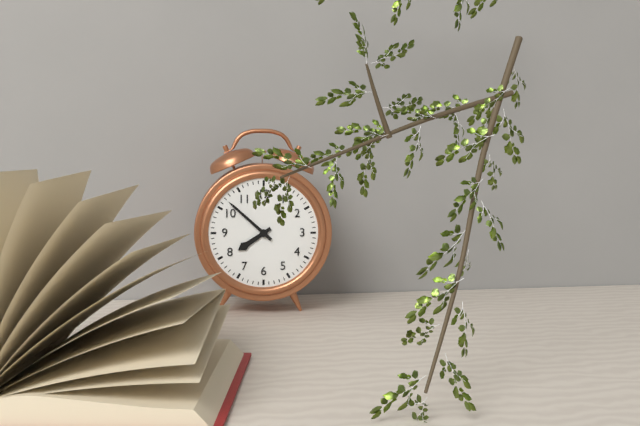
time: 7:52
